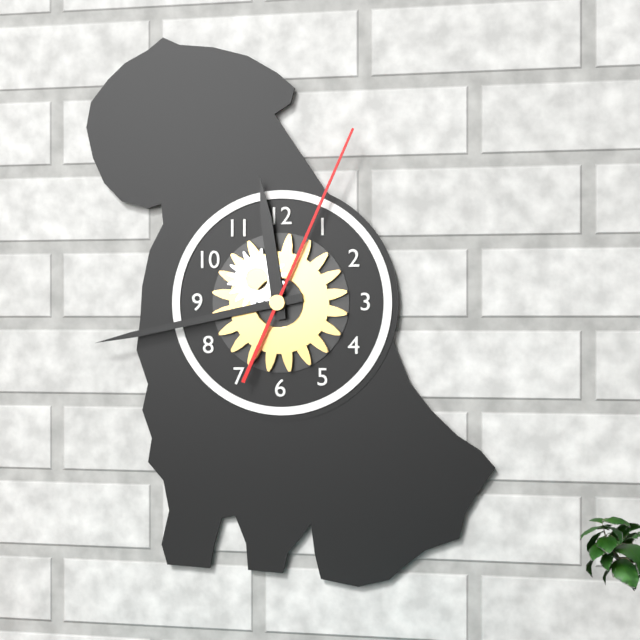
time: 11:43:04
